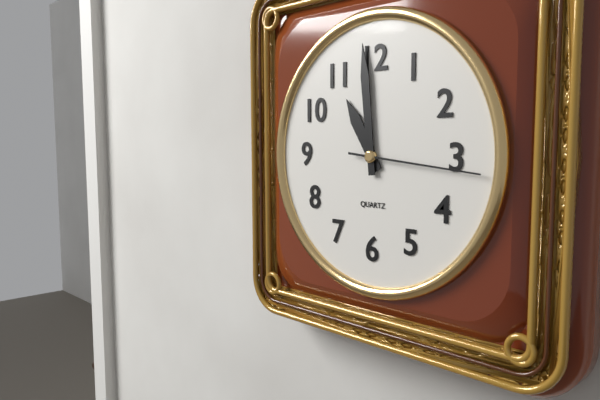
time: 10:59:16
